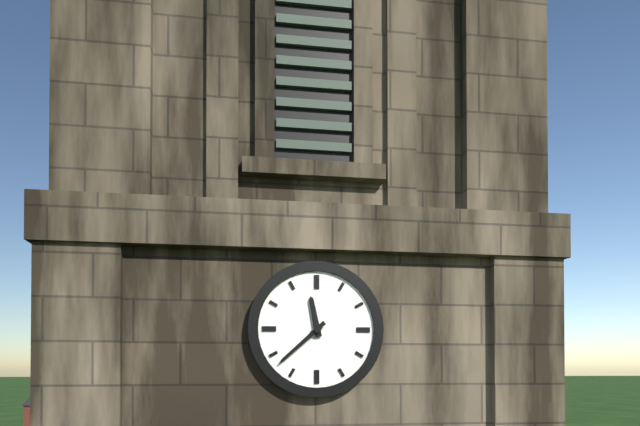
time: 11:38
